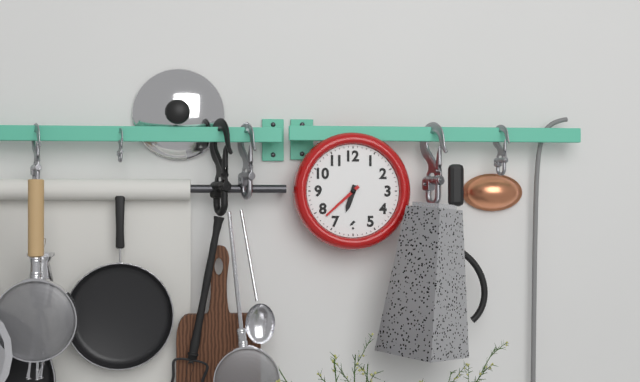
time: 6:38
